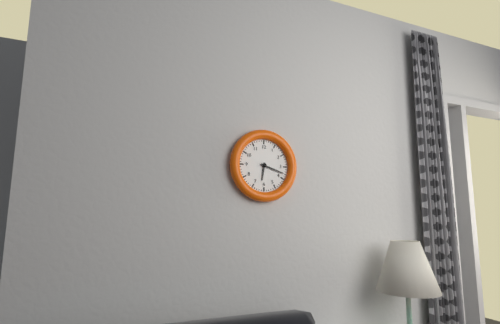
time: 6:18
